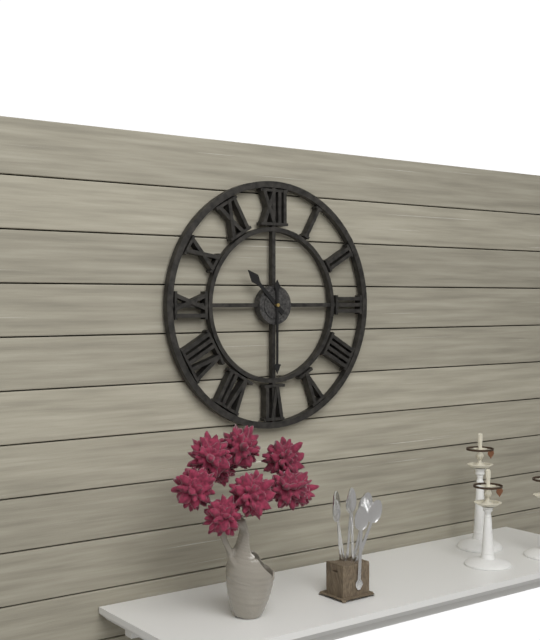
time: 10:30
